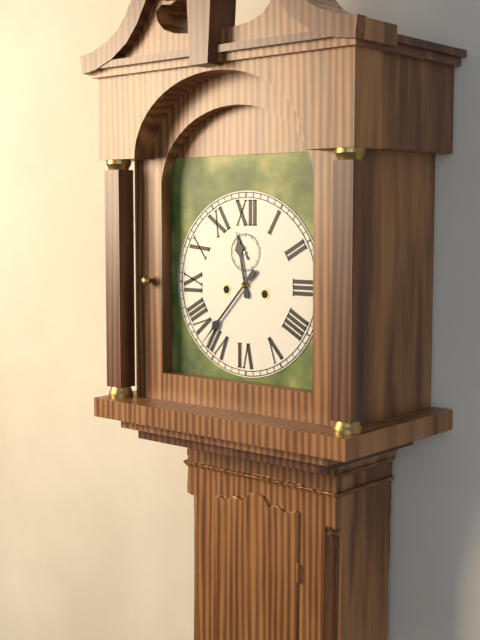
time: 11:37
